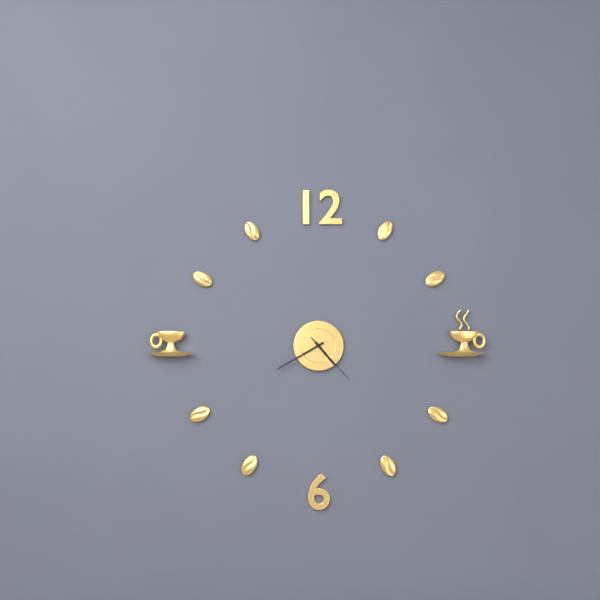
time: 4:40:23
